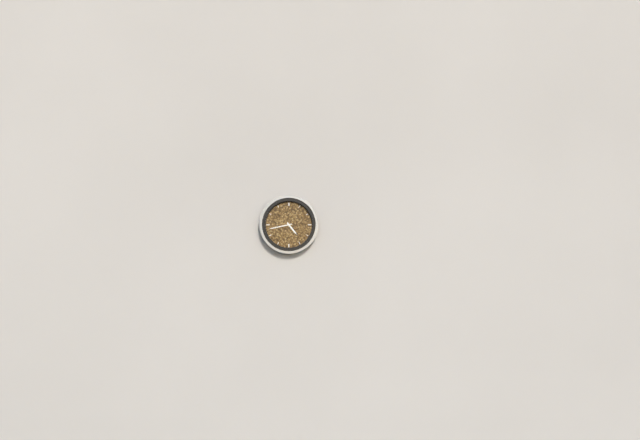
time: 4:43
